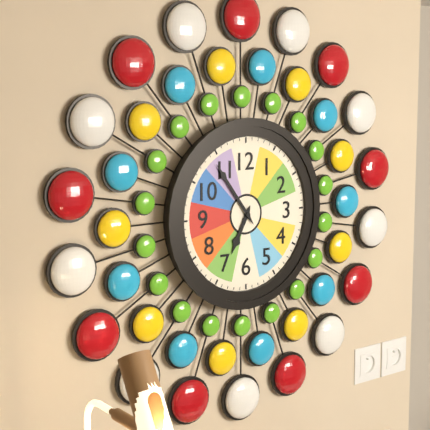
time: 6:54
